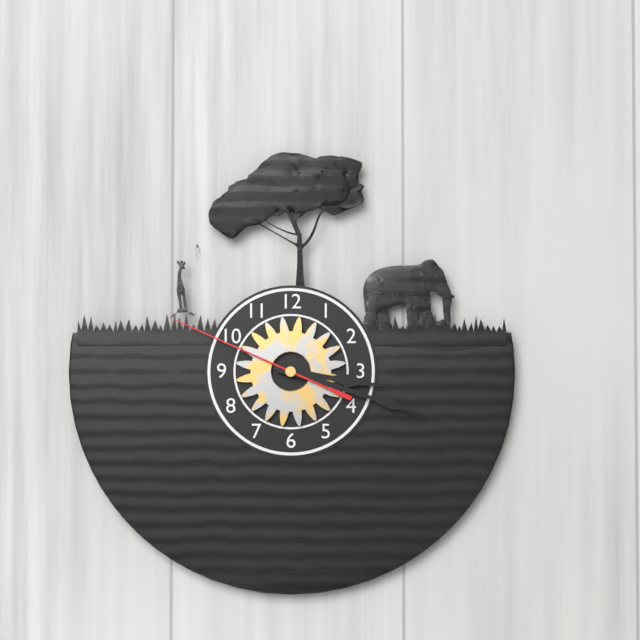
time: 3:18:49
